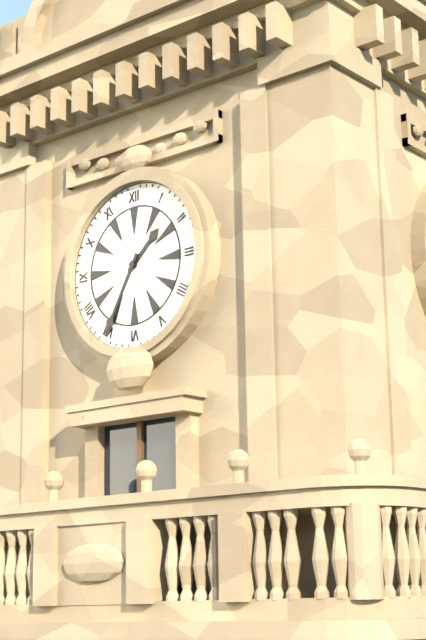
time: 1:35
